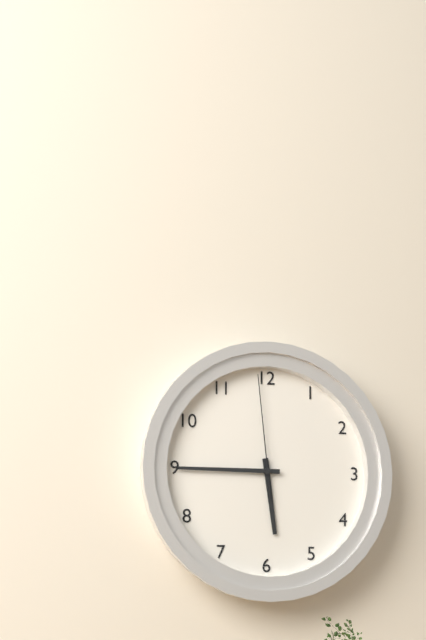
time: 5:45:59
